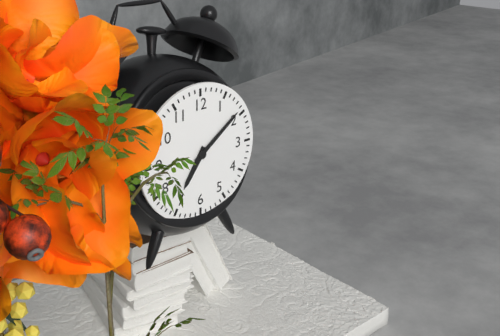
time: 7:09
